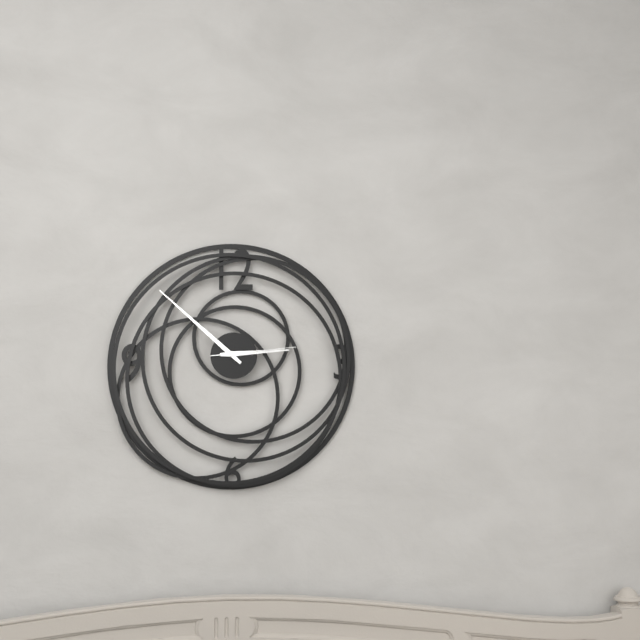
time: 2:52:14
